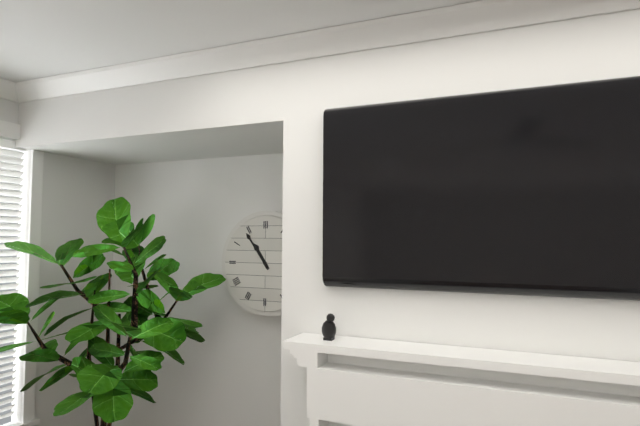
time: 10:54
